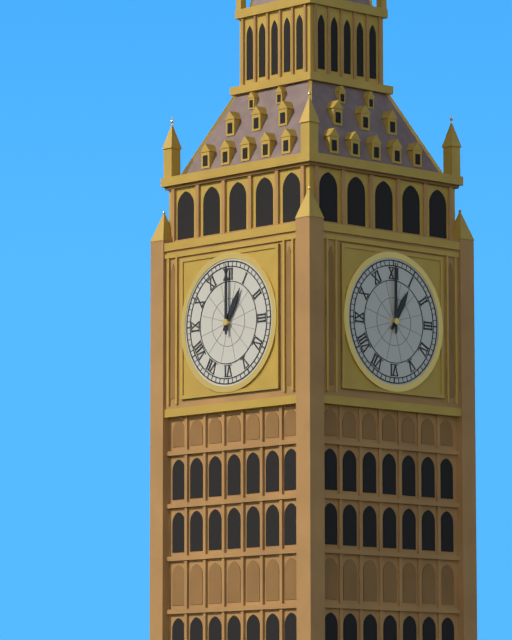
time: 1:00
